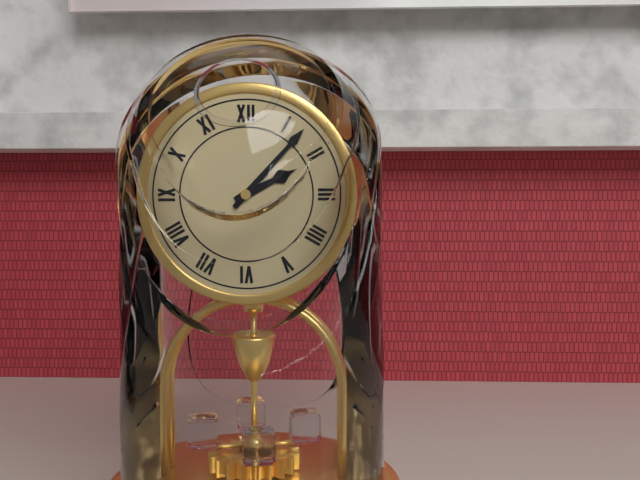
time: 2:07
